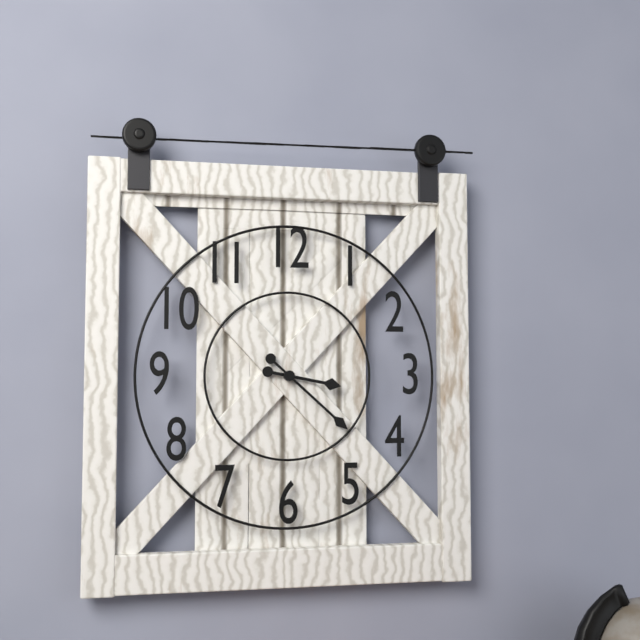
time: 3:22
